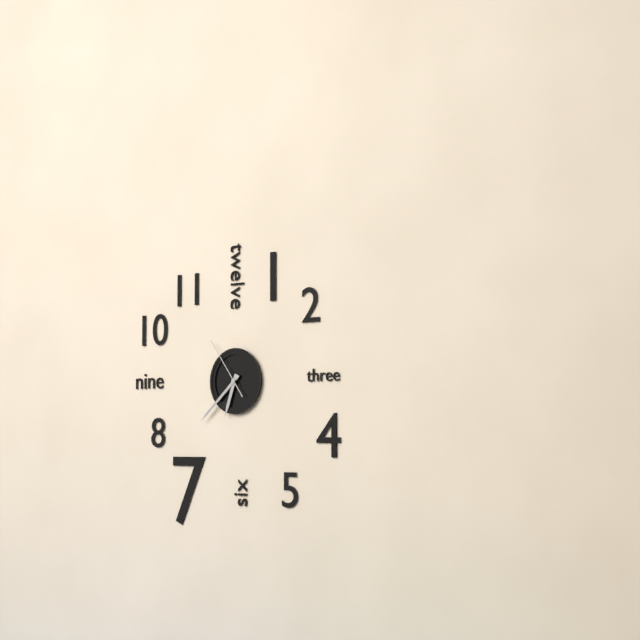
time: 6:38:54
